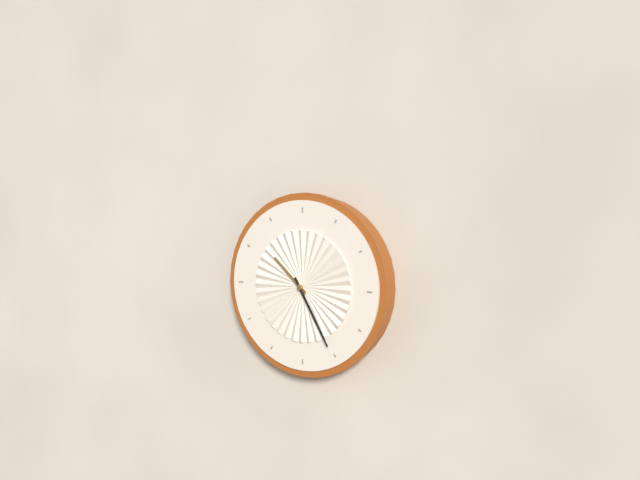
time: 10:25
